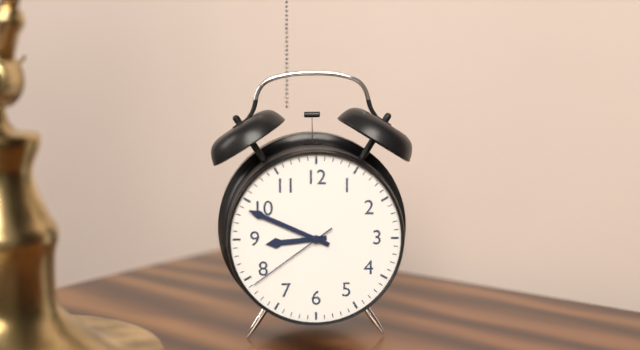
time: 8:49:39
